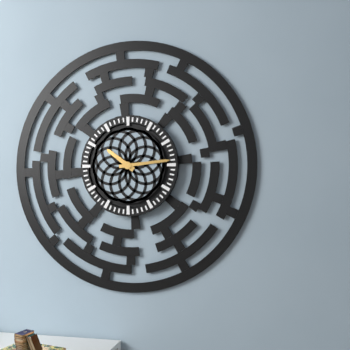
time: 10:14
